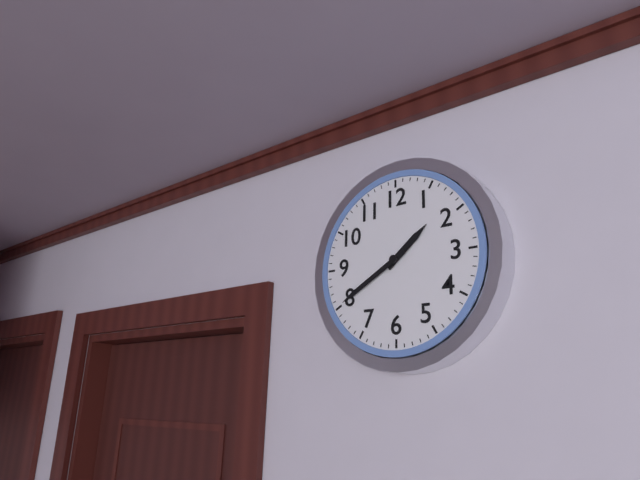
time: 1:40
